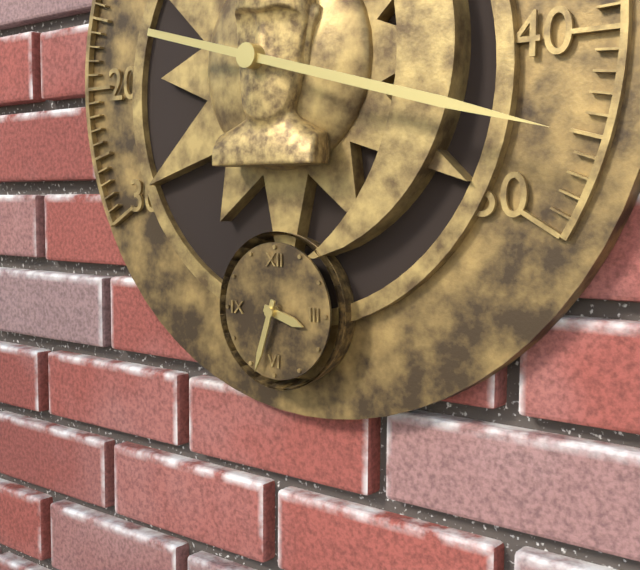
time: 3:33
